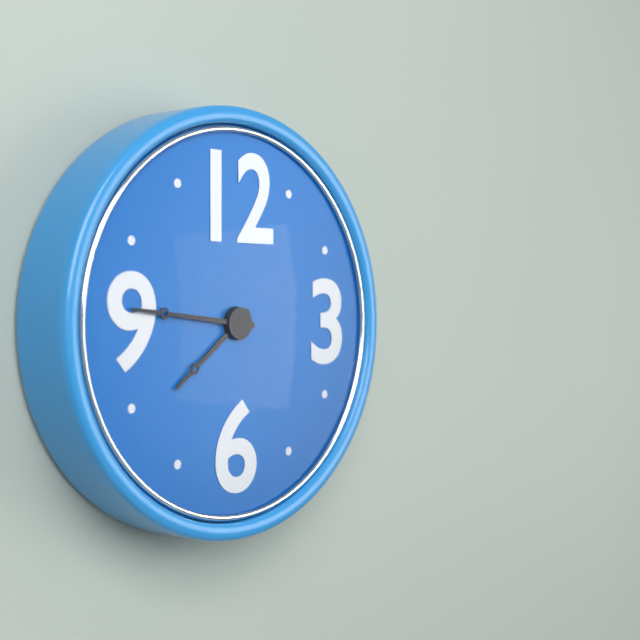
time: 7:46
